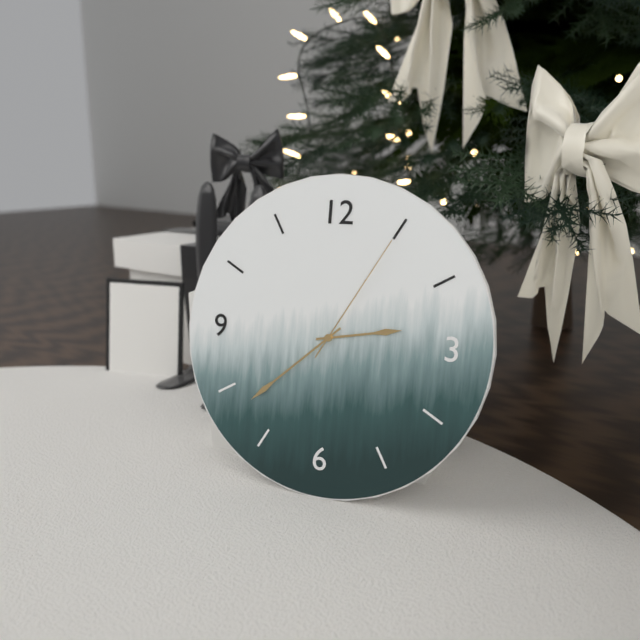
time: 2:38:05
